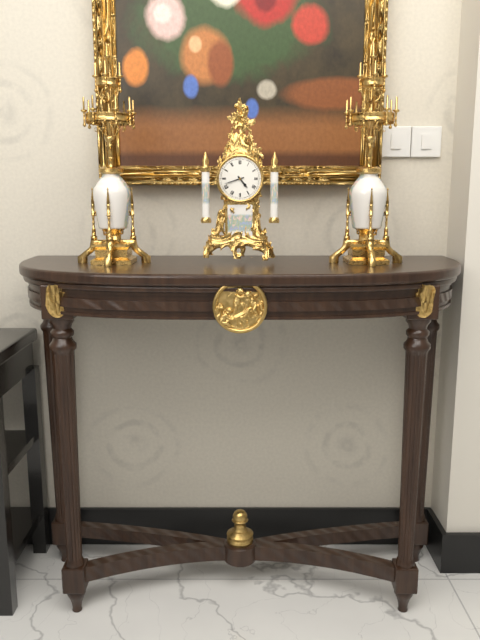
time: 4:42
